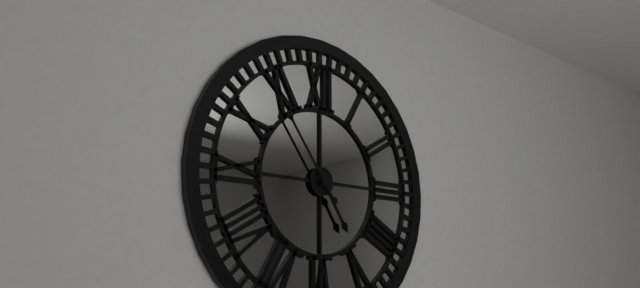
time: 4:54
